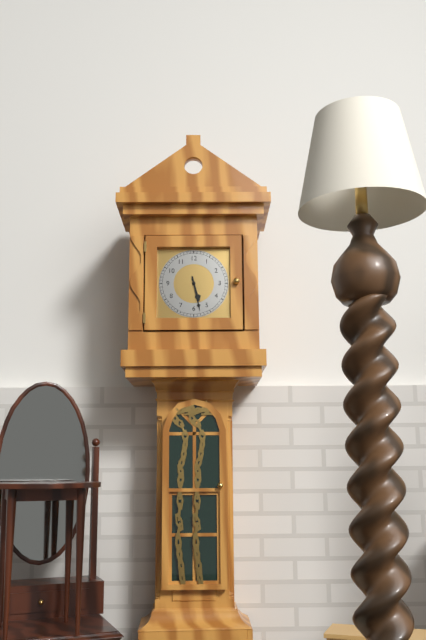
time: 5:28
